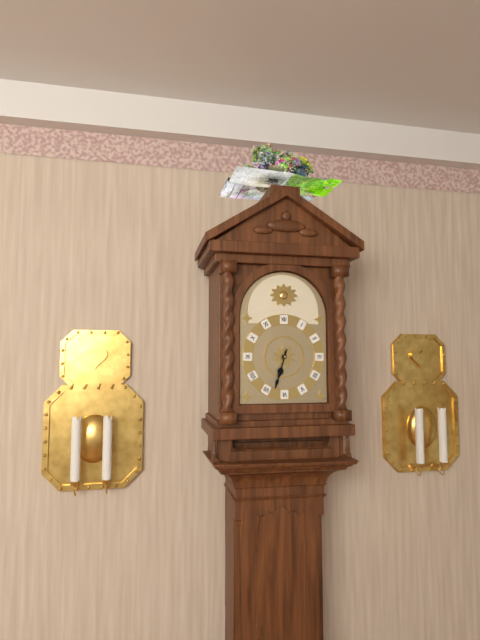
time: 6:33
